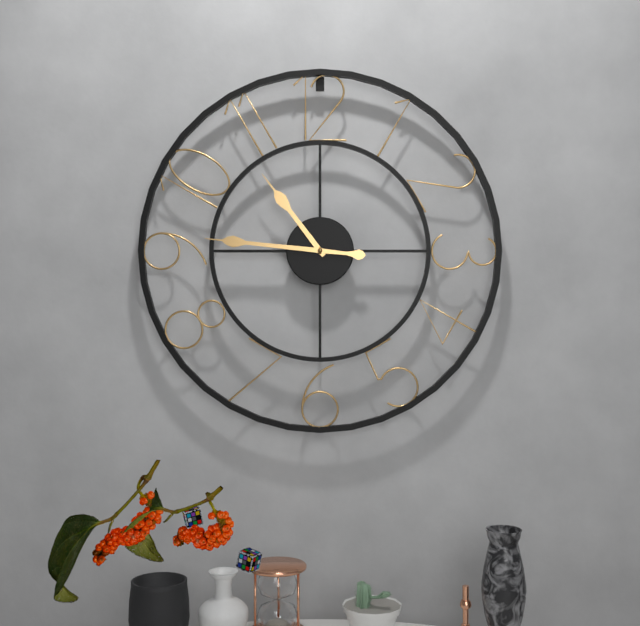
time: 10:46
